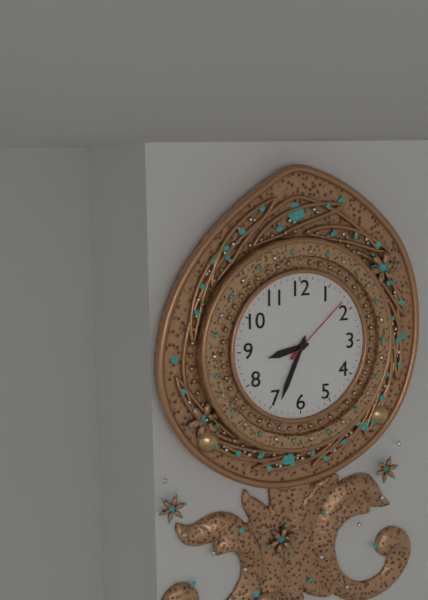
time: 8:34:08
